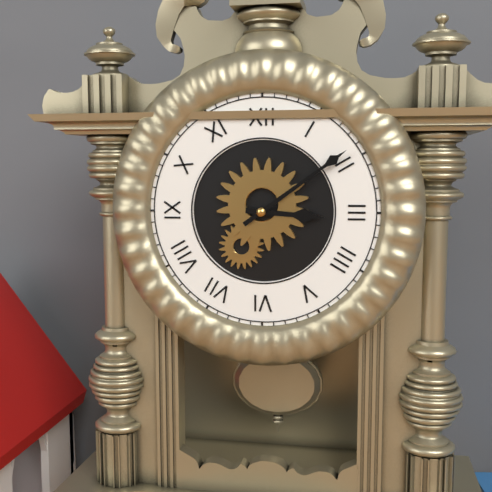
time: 3:09
